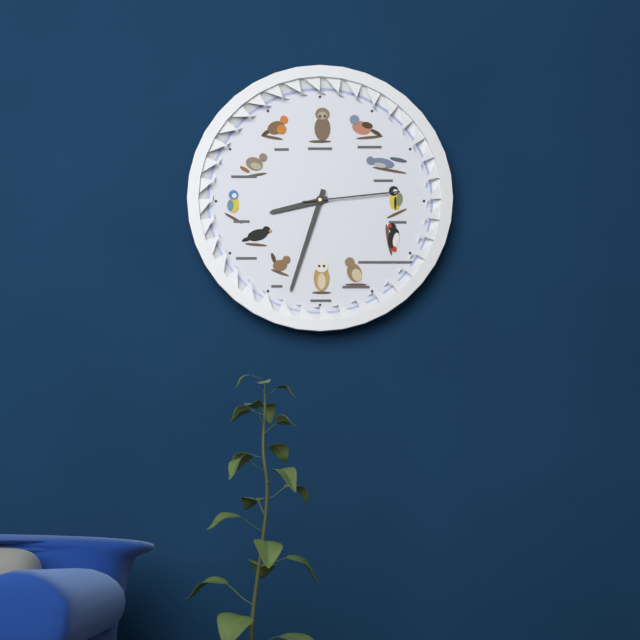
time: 8:33:14
